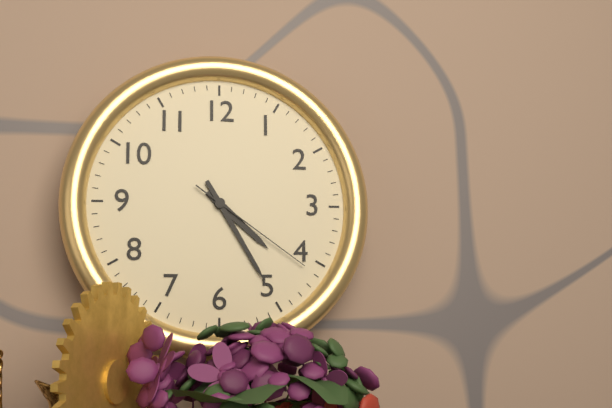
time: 4:25:21
